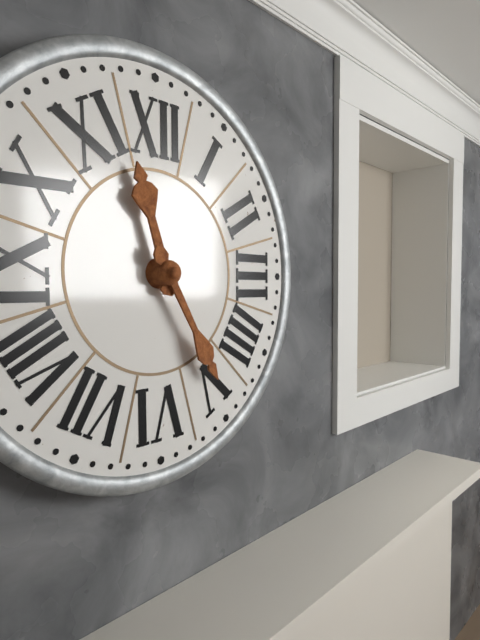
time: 11:25
